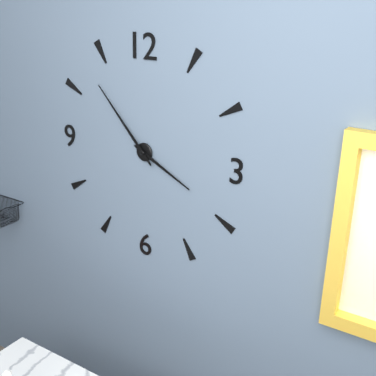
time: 3:53
